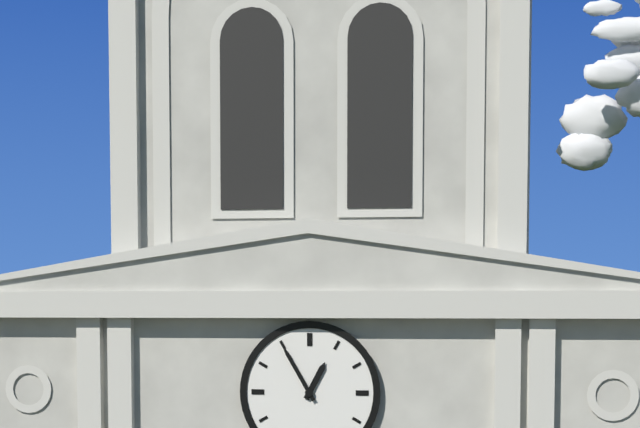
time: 12:55
